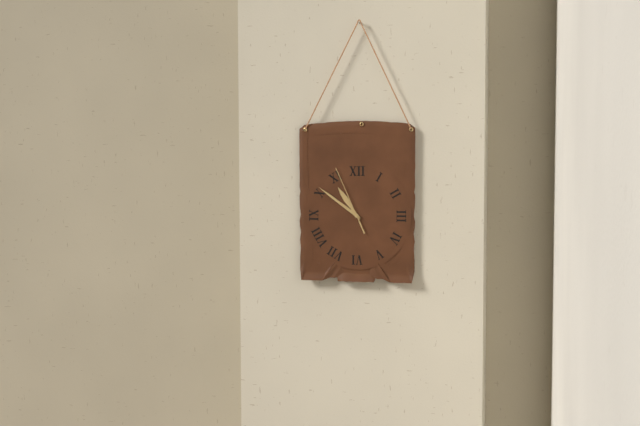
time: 10:51:56
